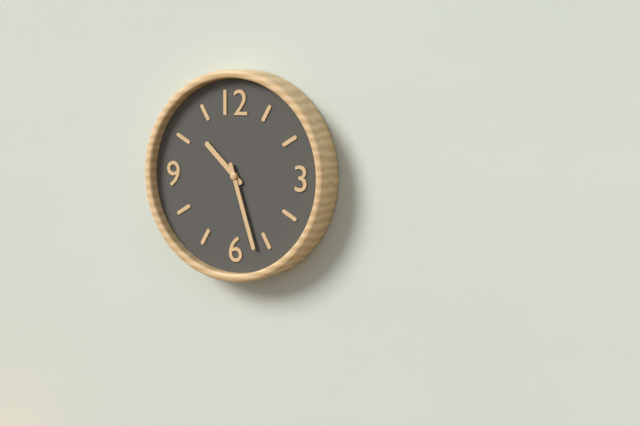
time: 10:27
